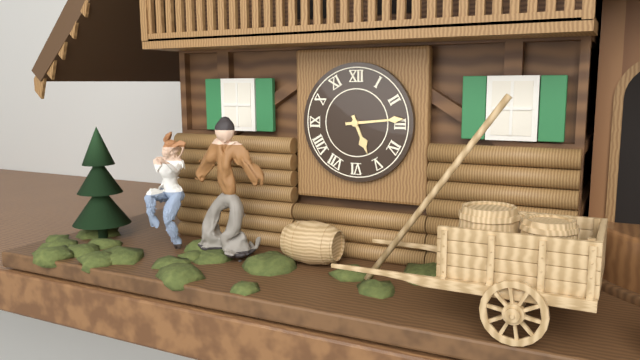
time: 5:14
